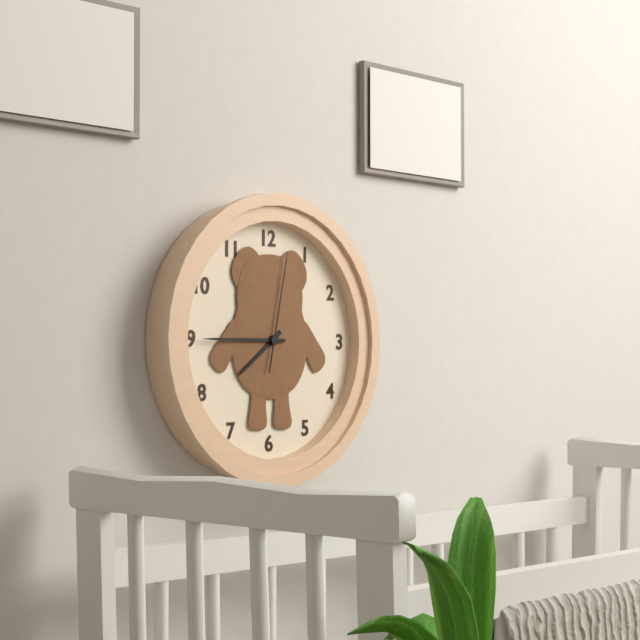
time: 7:45:02
